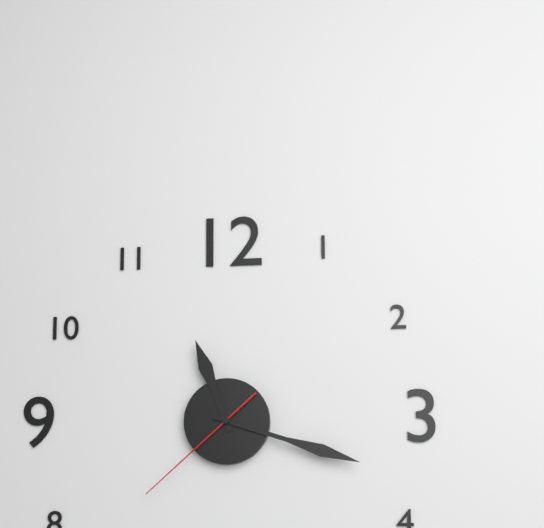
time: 11:18:38
